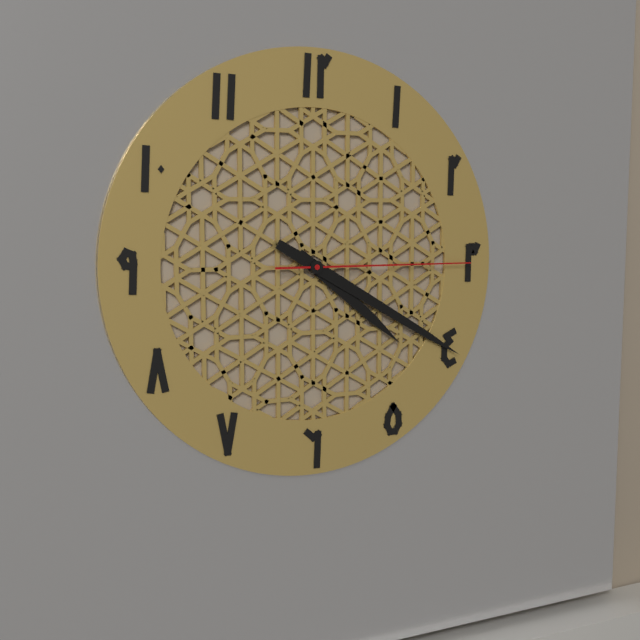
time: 4:20:15
